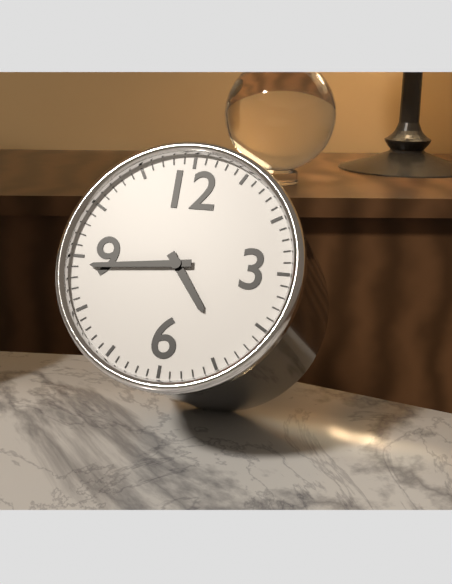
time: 4:44
